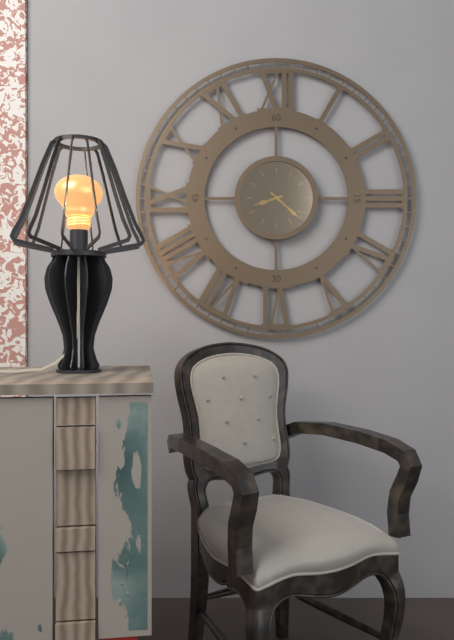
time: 8:22
